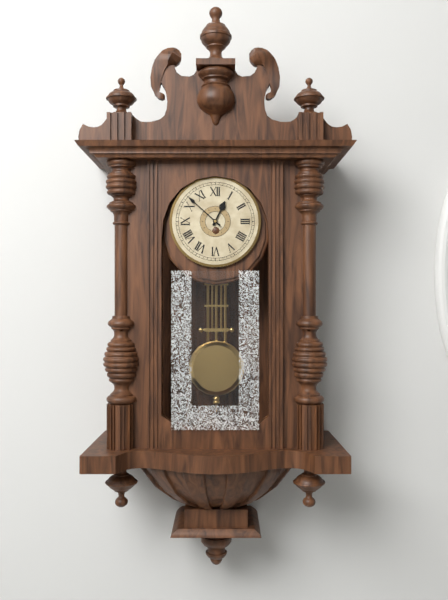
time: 12:52
